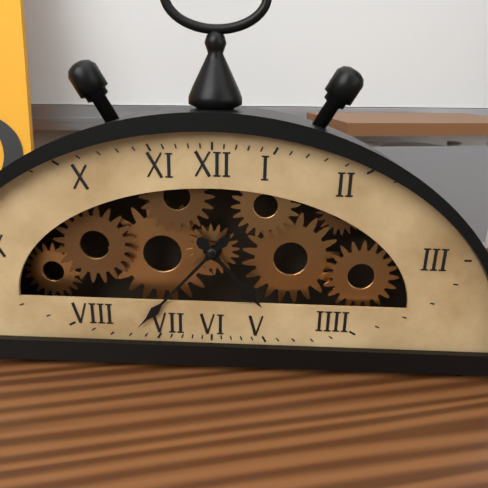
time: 4:37
